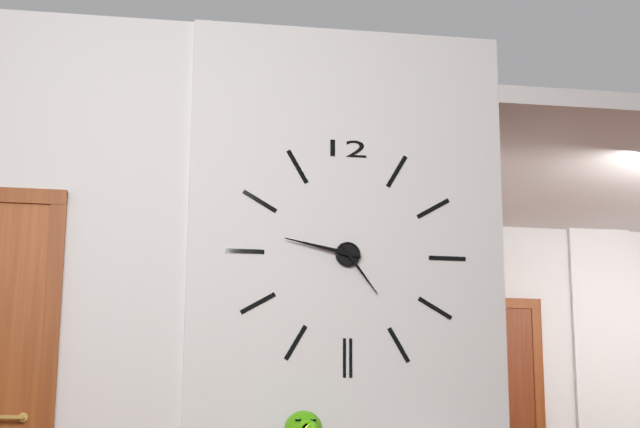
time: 4:47
